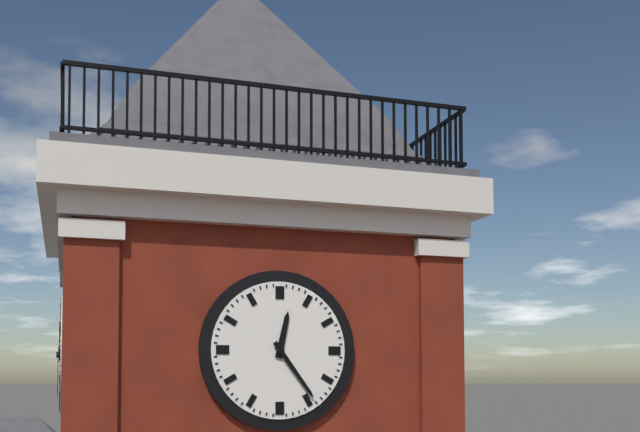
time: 12:24
